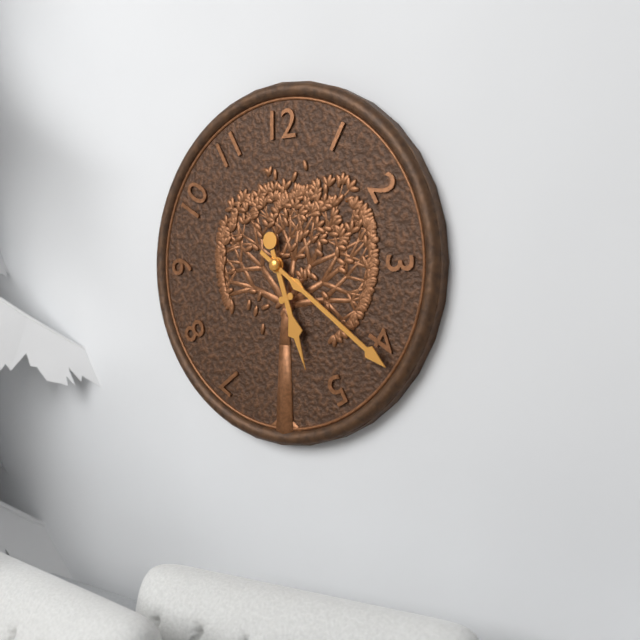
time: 5:21
